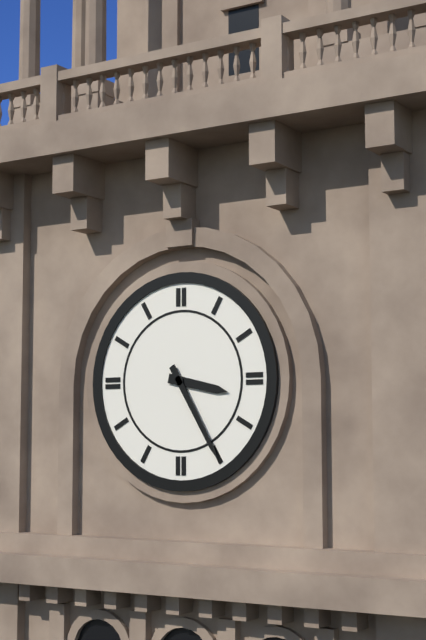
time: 3:25
